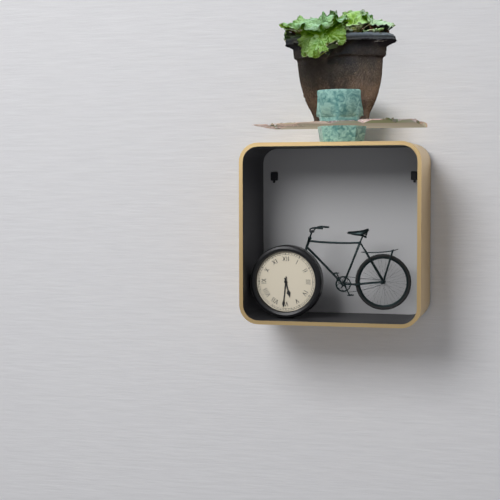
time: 5:31
